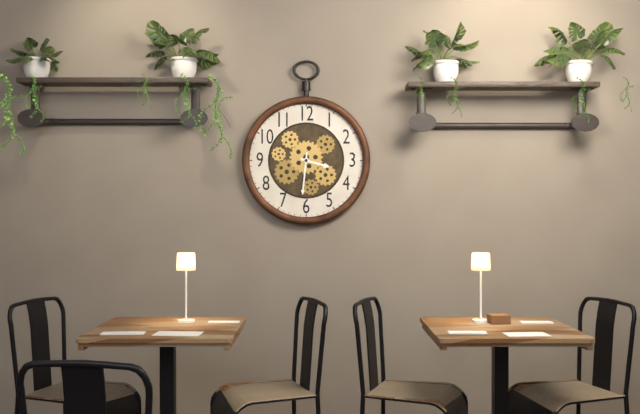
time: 3:31
